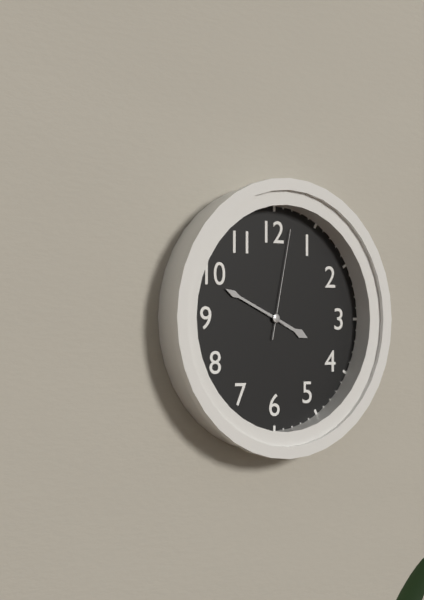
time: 3:49:02
